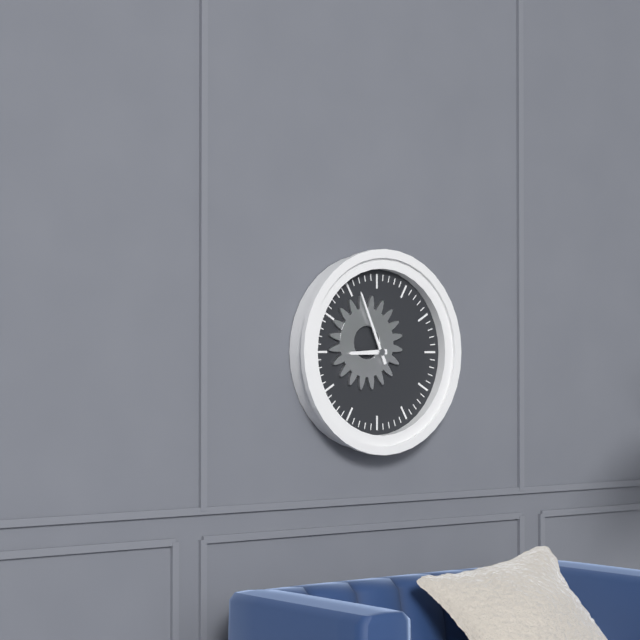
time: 8:56
